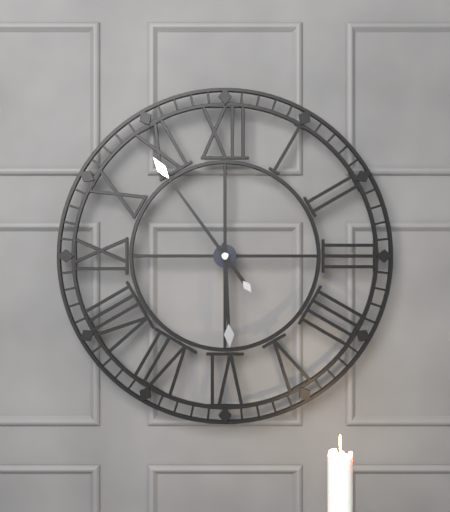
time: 5:54
